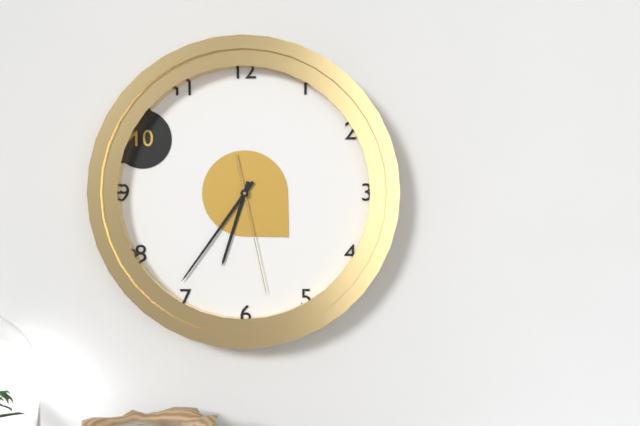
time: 6:36:28
